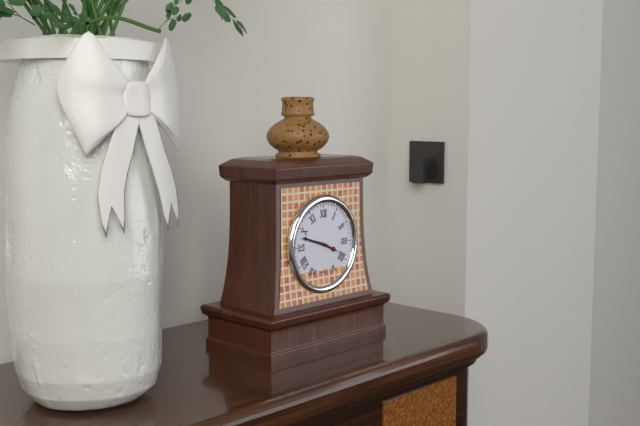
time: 3:48
